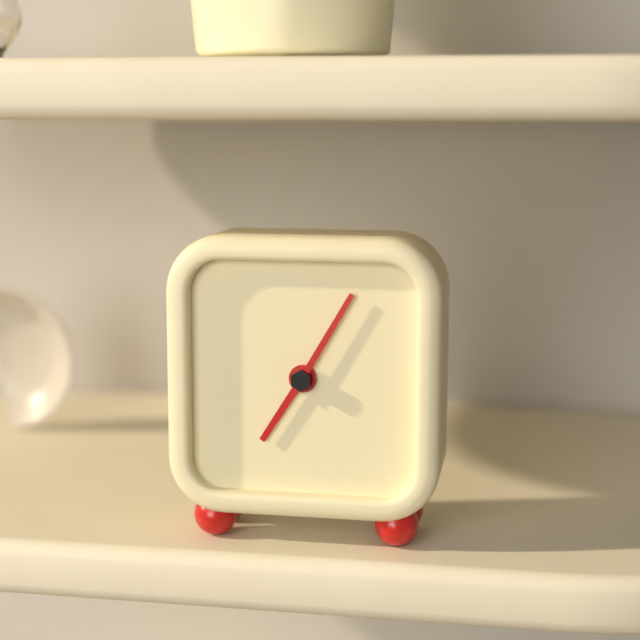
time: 7:05
